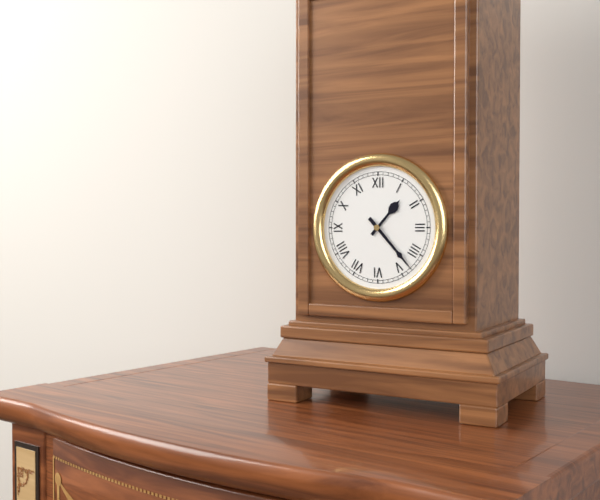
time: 1:23
